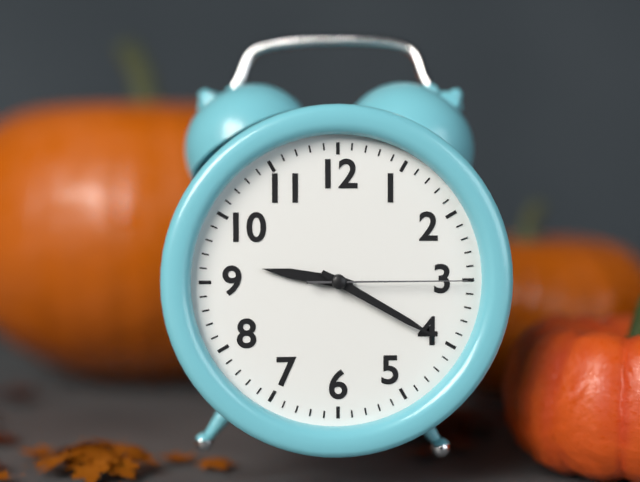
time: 9:20:15
